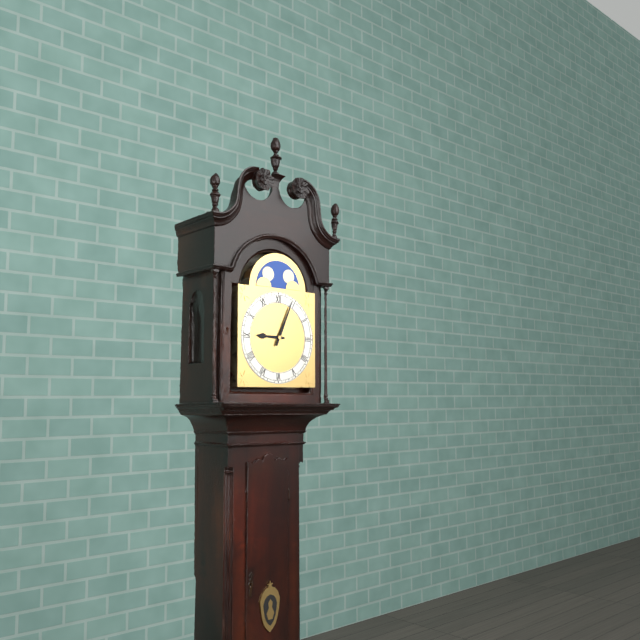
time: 9:04
